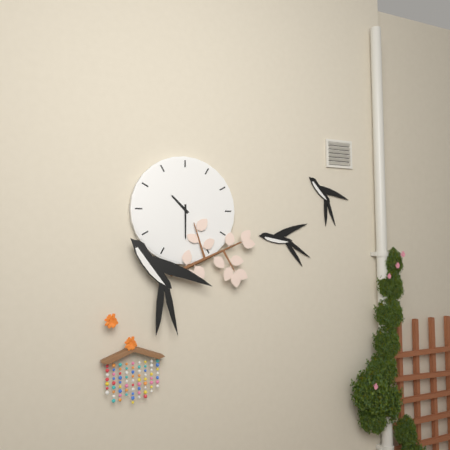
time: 10:30
